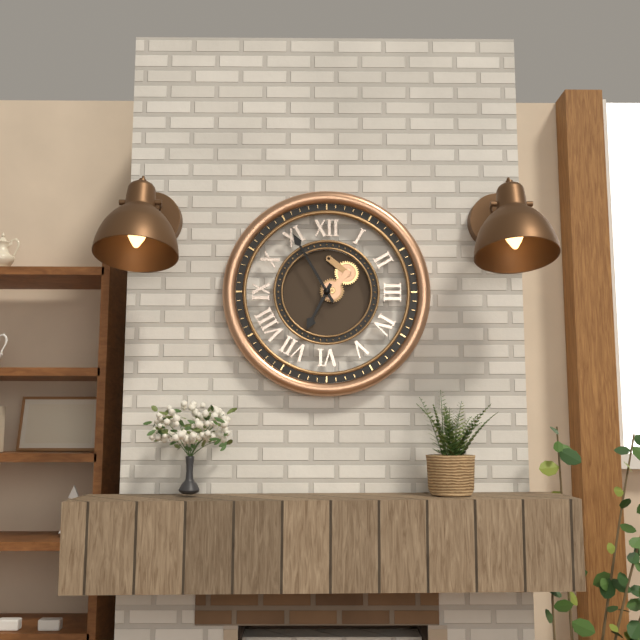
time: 6:55
